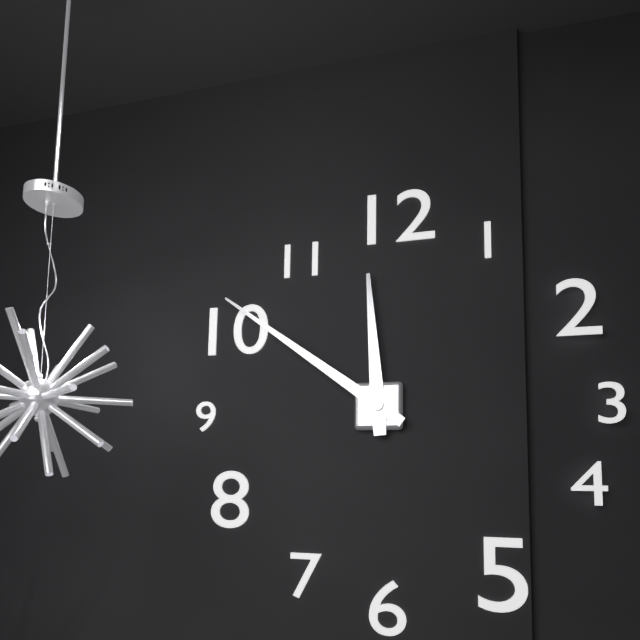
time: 11:51
